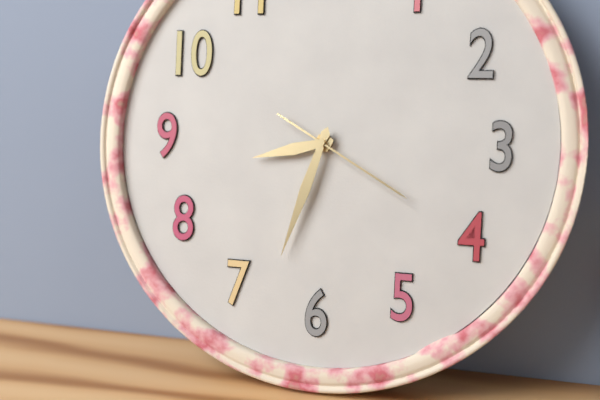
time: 8:33:20
